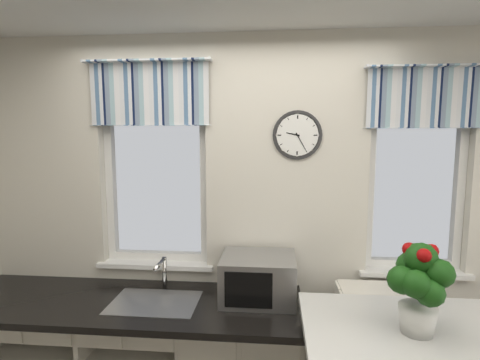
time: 9:25
